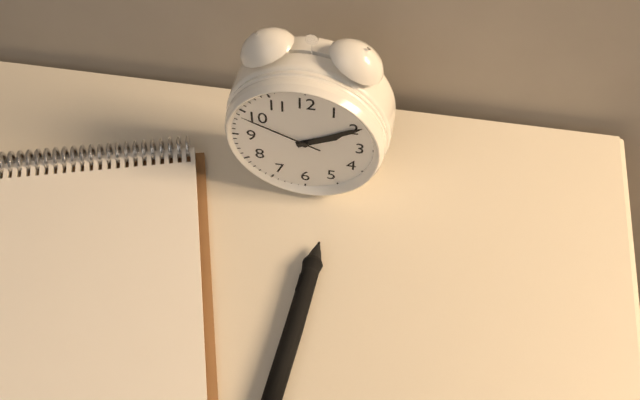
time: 2:10:49
